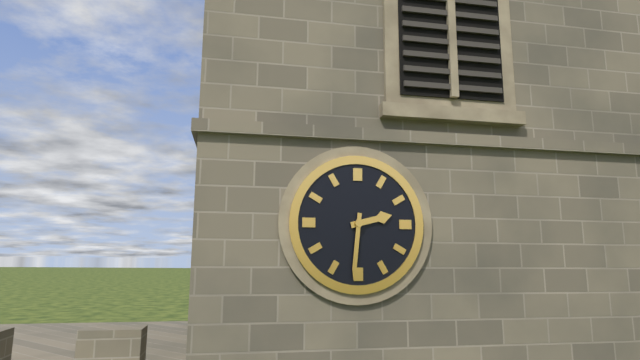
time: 2:31
